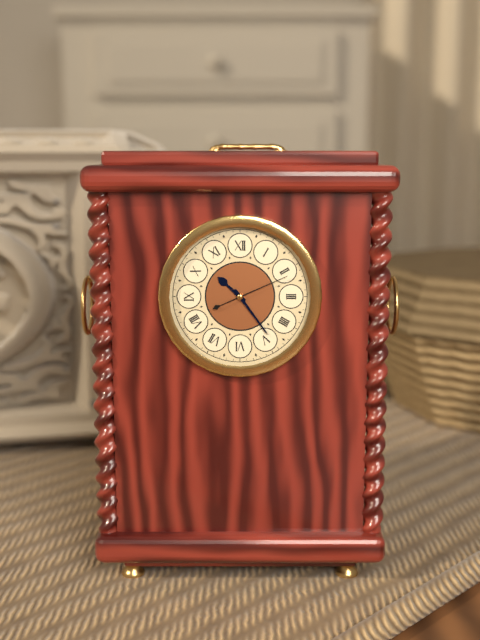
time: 10:24:11
